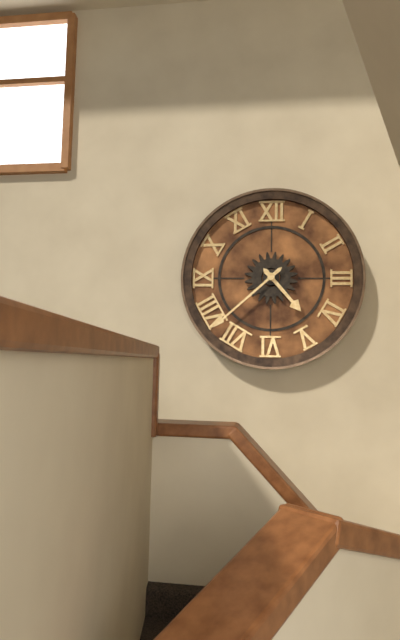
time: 4:38
